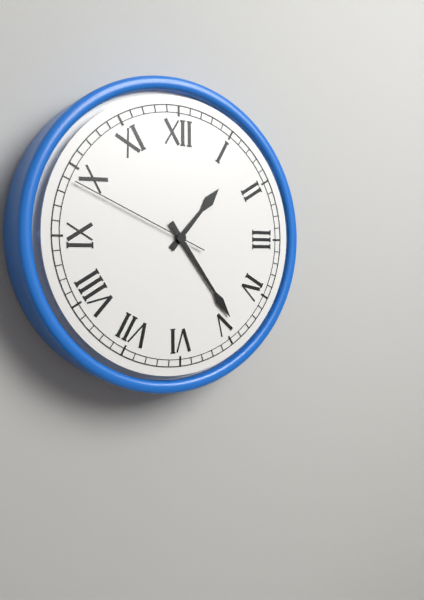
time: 1:24:49
